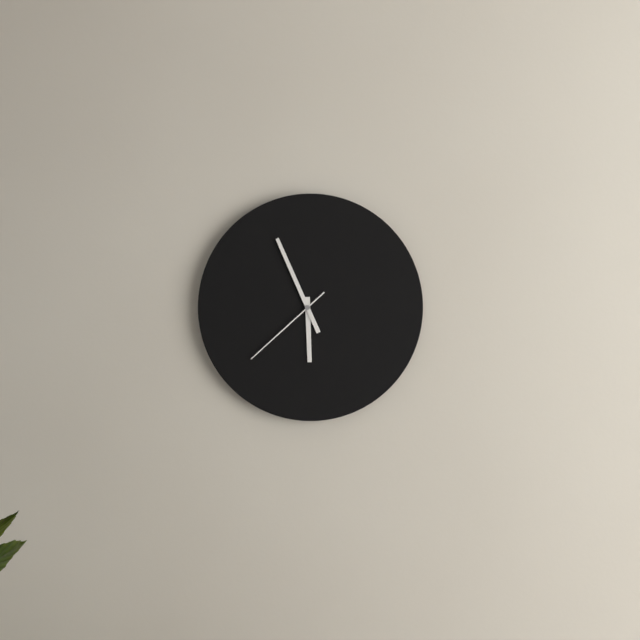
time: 5:56:38
